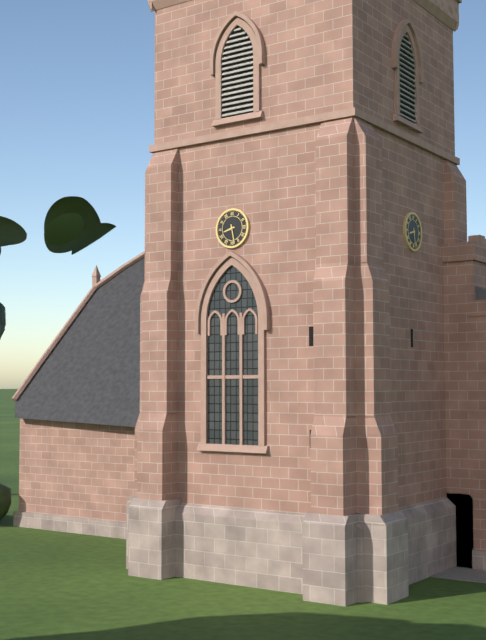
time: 8:28
